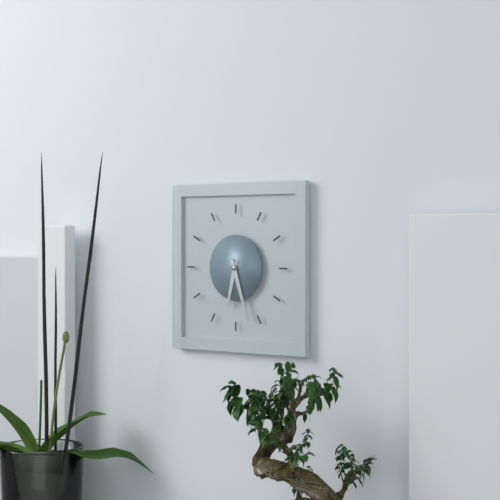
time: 6:27
